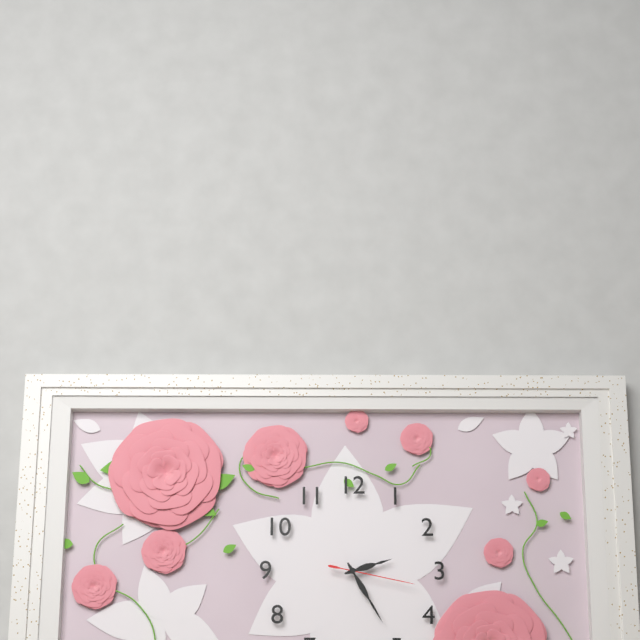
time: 2:25:17
